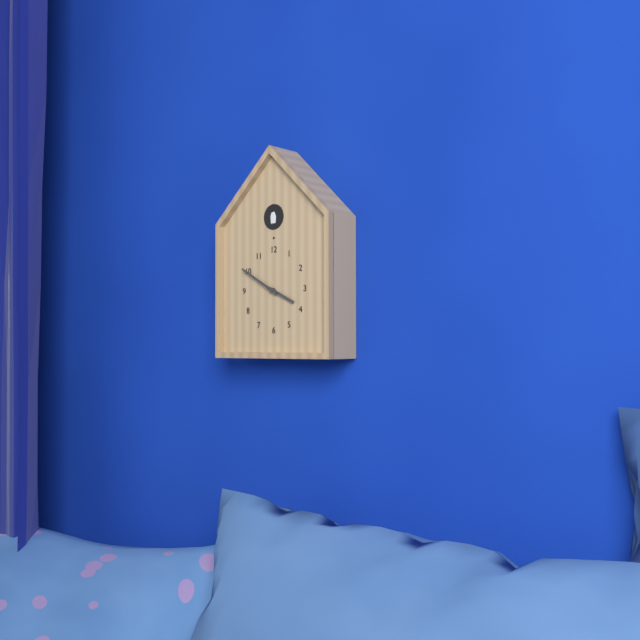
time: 3:50
